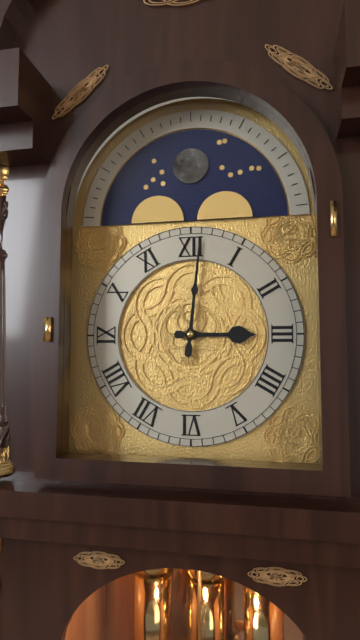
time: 3:01
